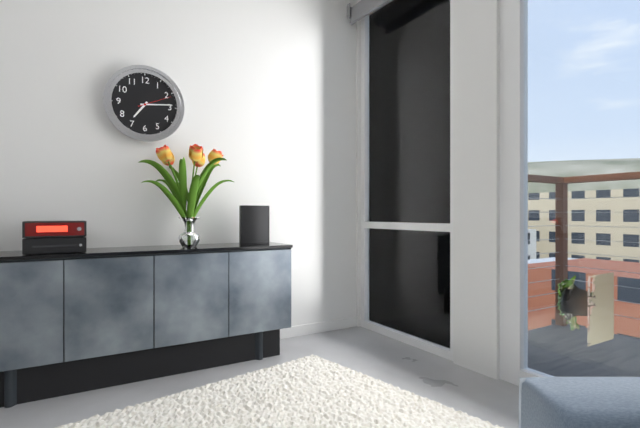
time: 7:14
